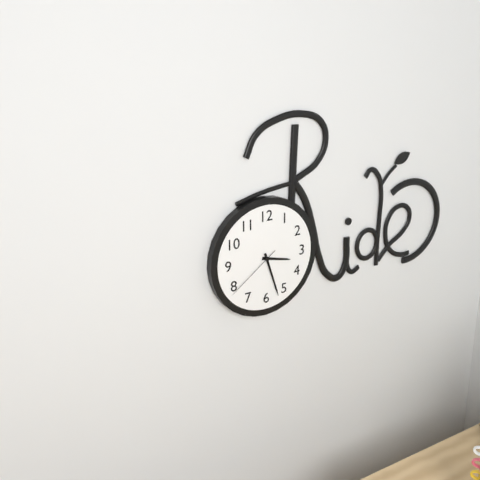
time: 3:27:39
